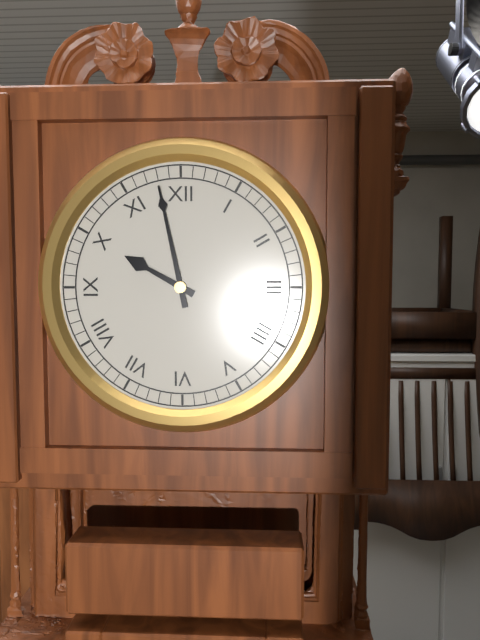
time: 9:58
